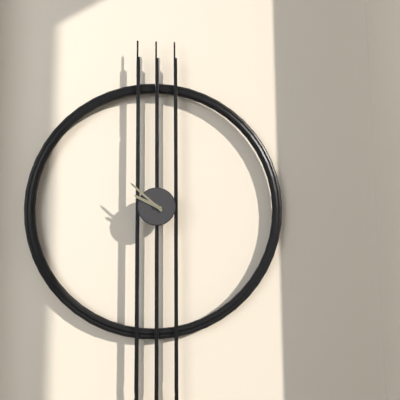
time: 9:52
